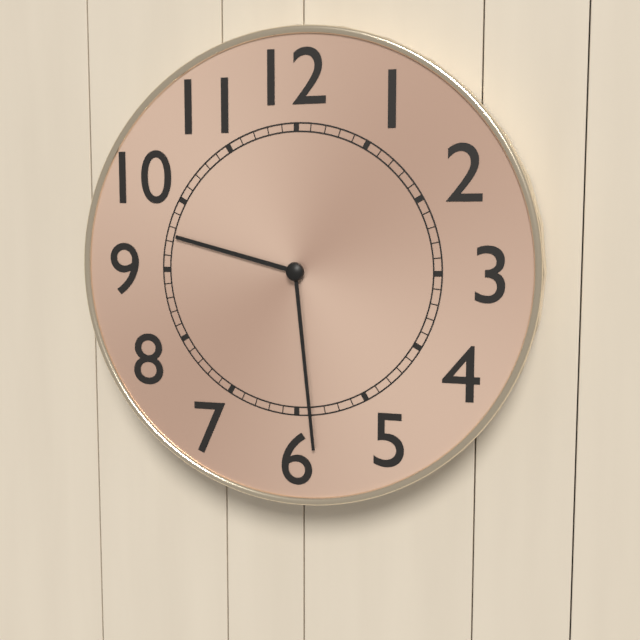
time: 9:29
